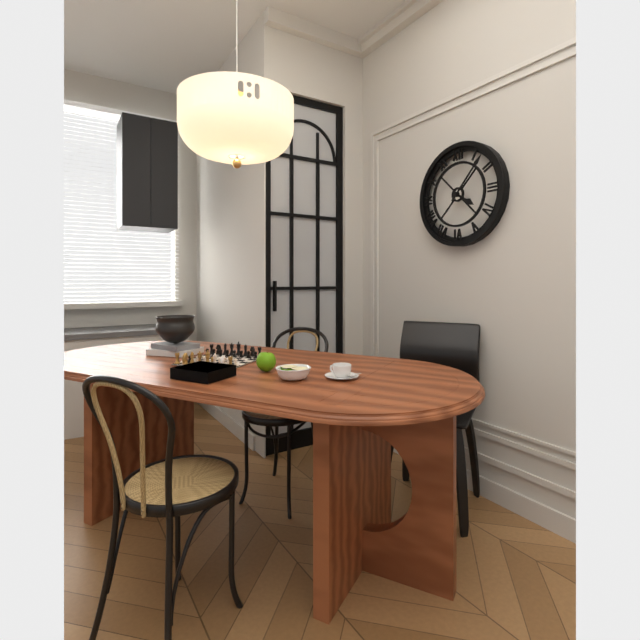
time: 4:07
